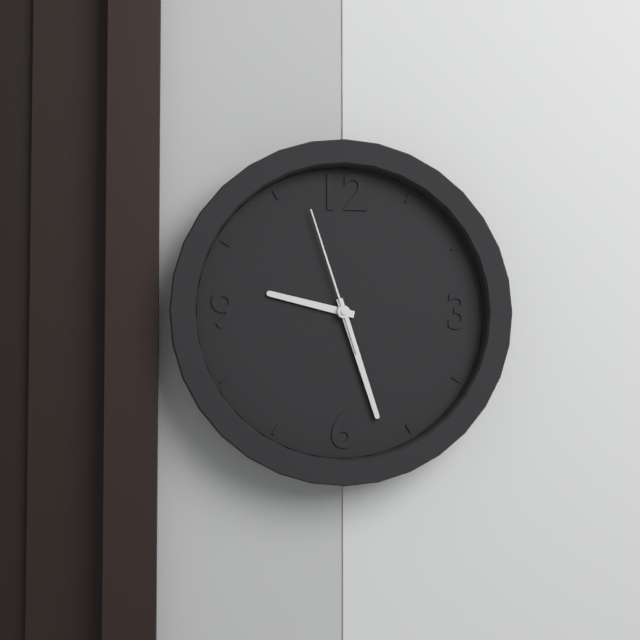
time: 9:27:57
